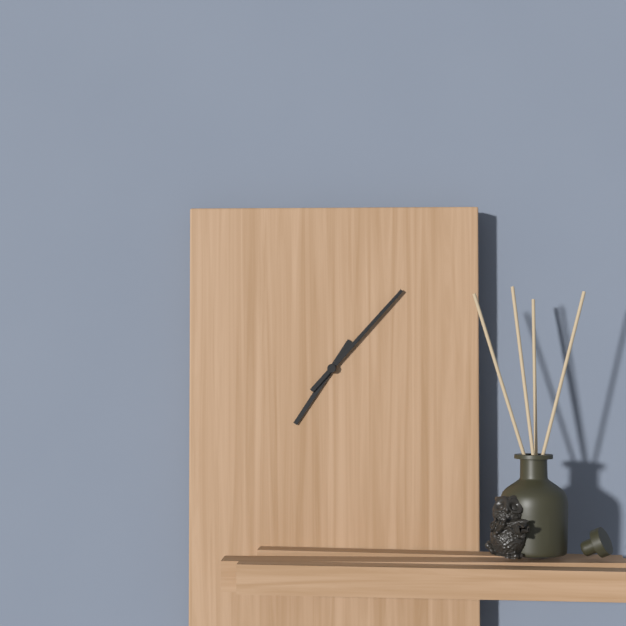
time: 7:07
